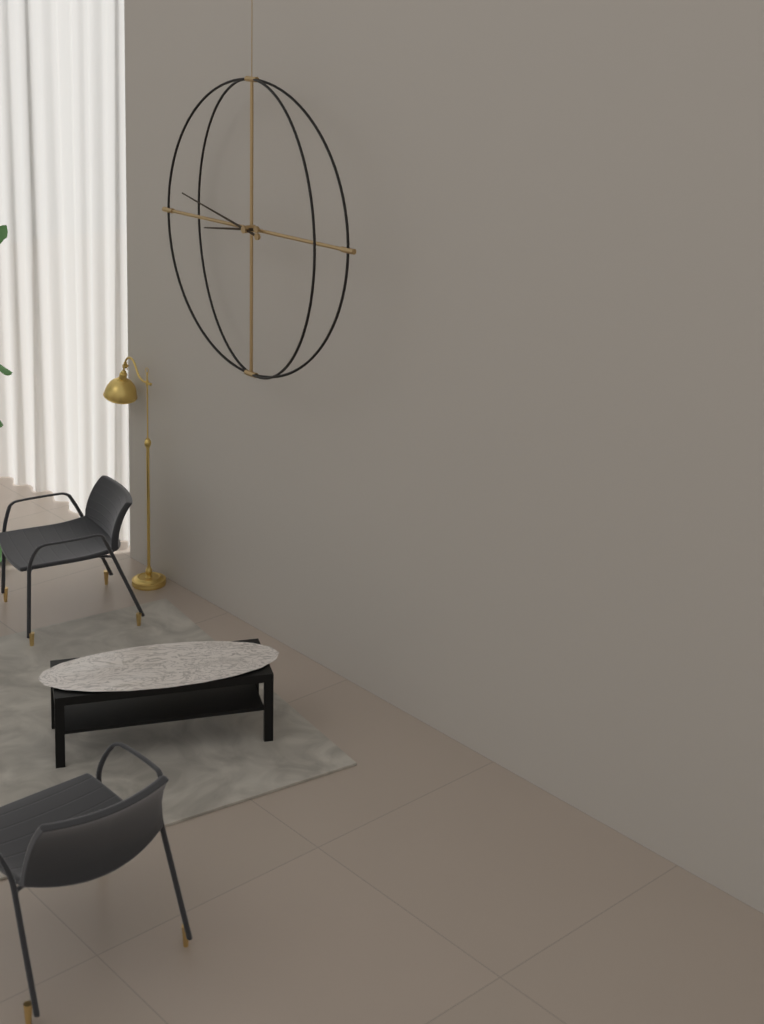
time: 8:47
